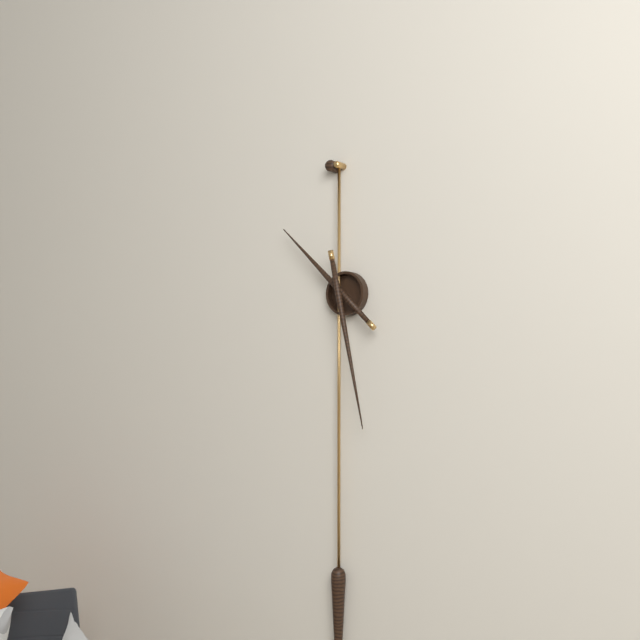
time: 10:28
